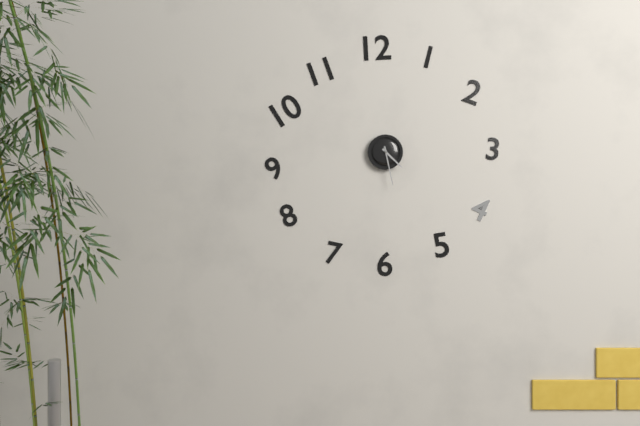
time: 4:28
